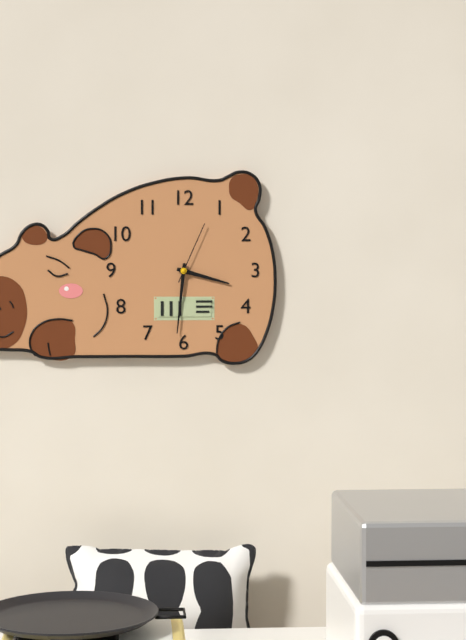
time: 3:31:04
